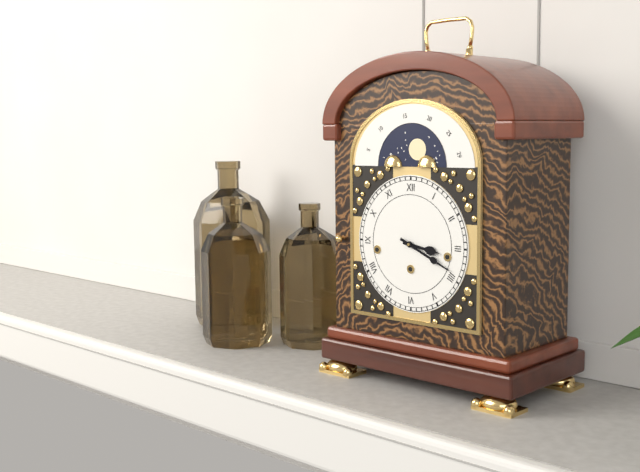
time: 3:19
